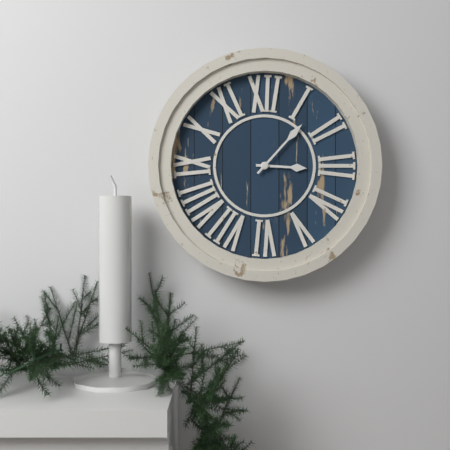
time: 3:07
